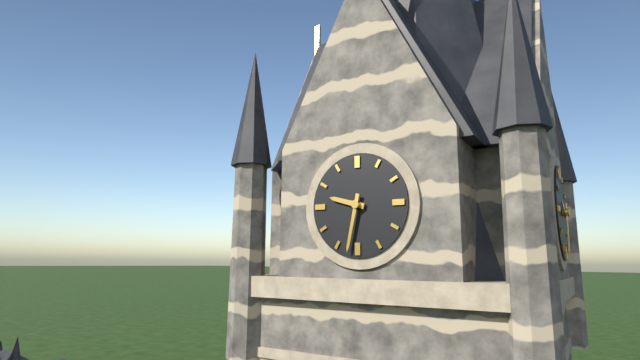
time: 9:32
